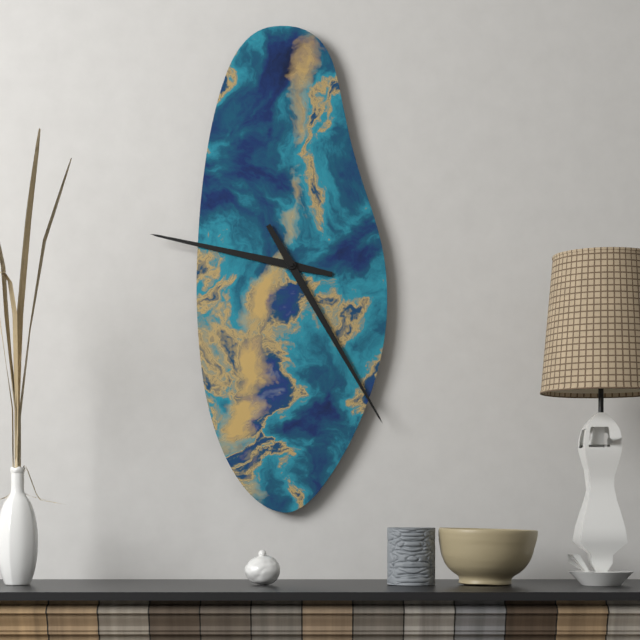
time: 9:25
